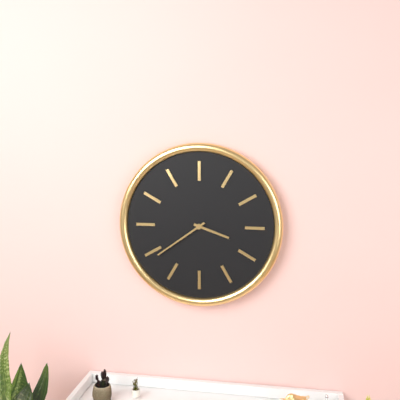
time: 3:39
